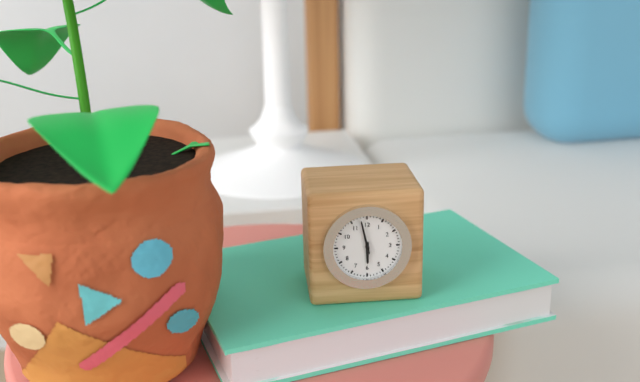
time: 5:58
